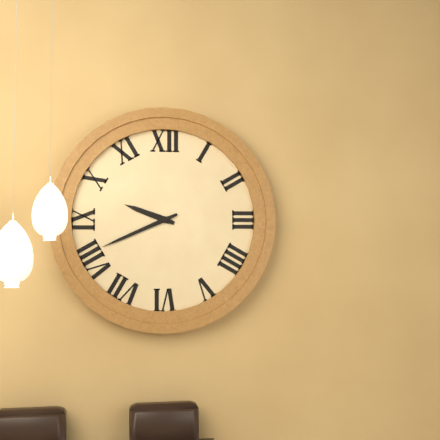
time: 9:41
